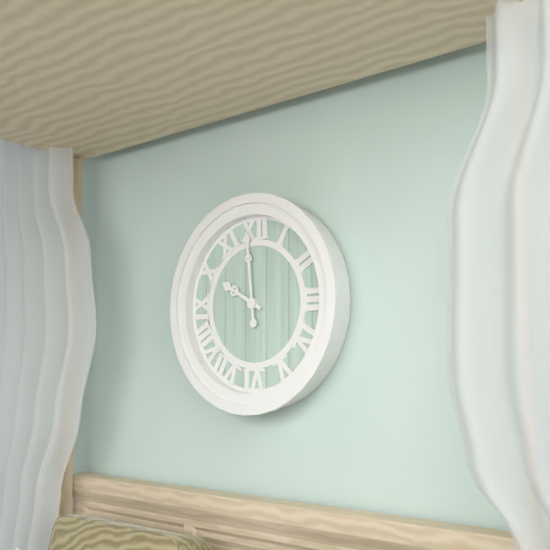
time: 9:59
